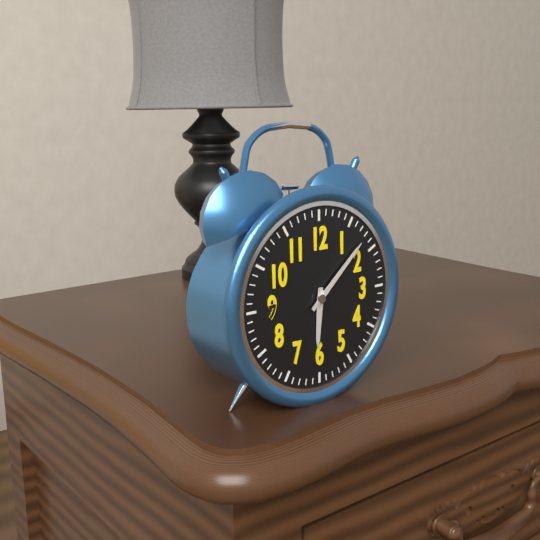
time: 6:08
